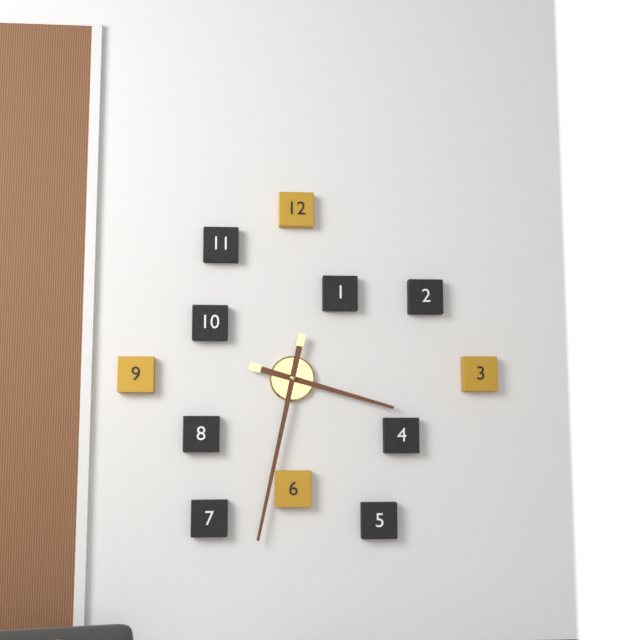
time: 3:32
